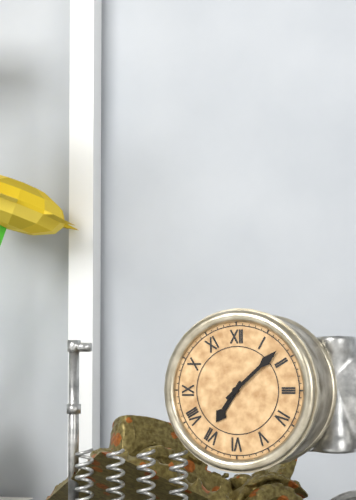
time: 7:08
